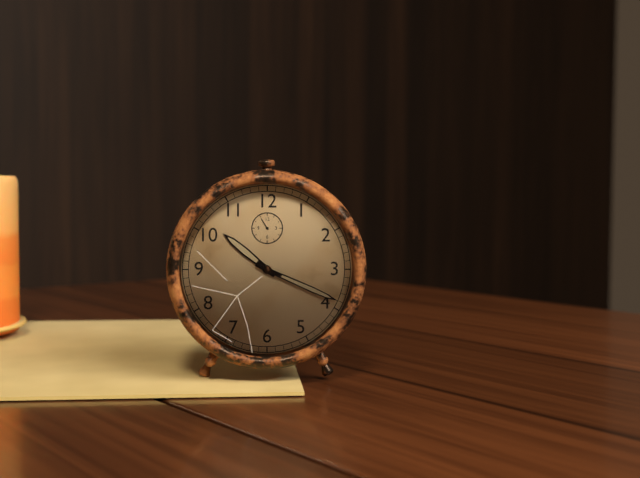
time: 10:19
